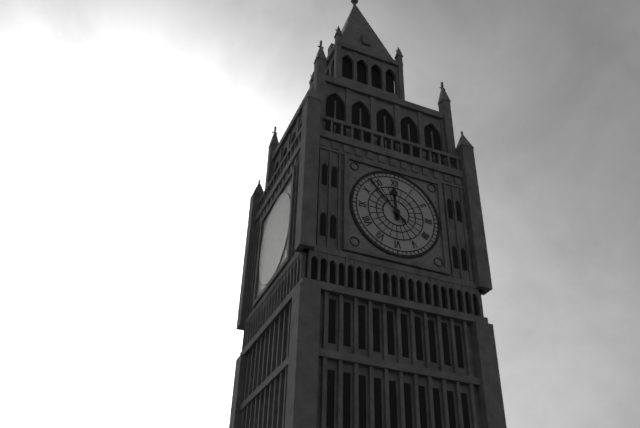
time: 11:53
